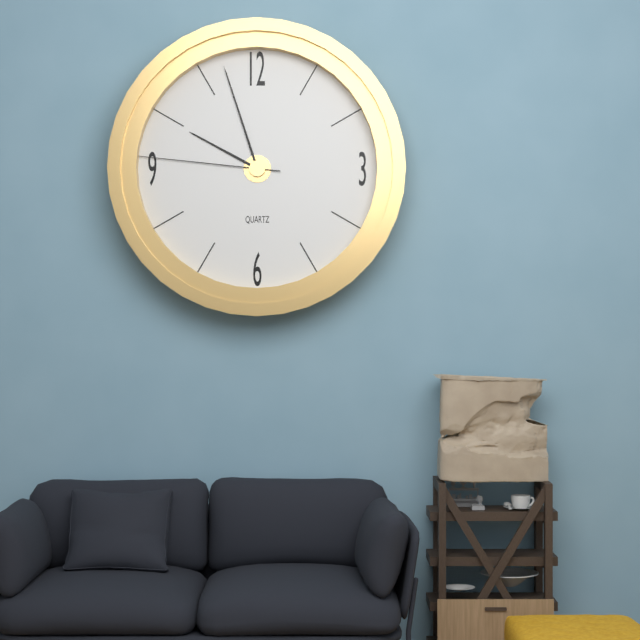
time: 9:57:46
